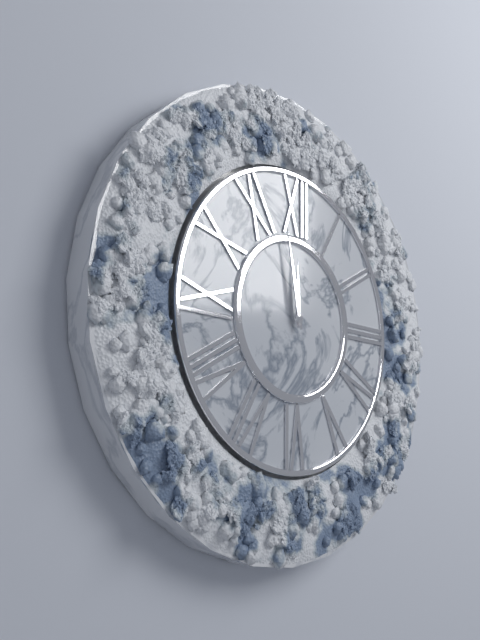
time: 11:58
